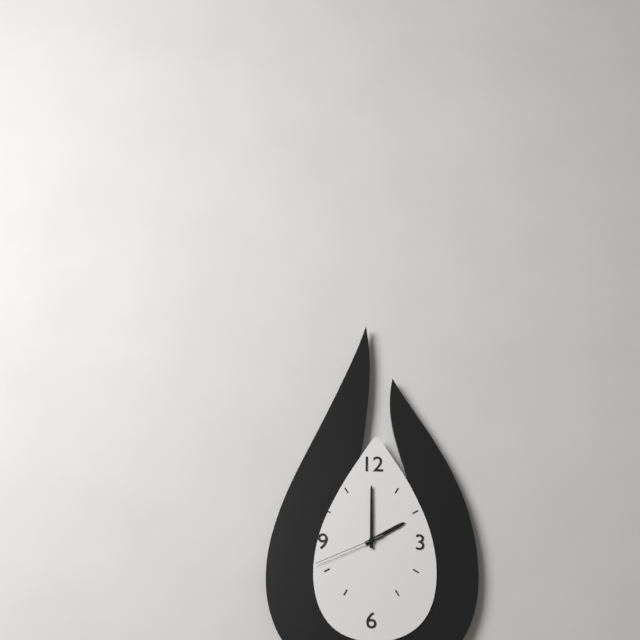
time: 2:00:41
